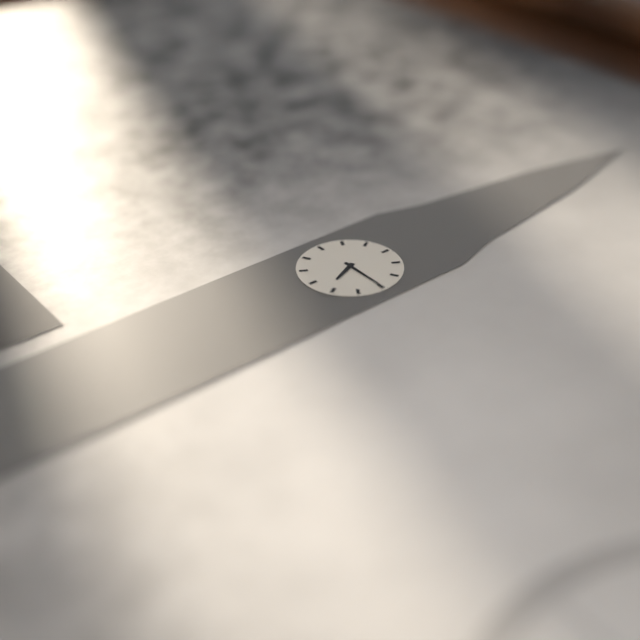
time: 5:15
